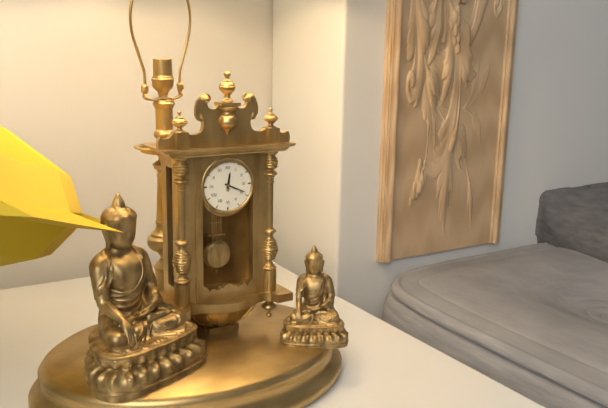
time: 12:19
